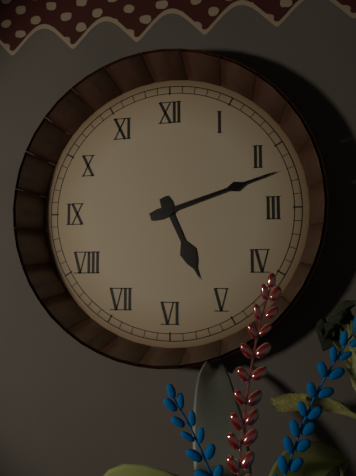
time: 5:12
